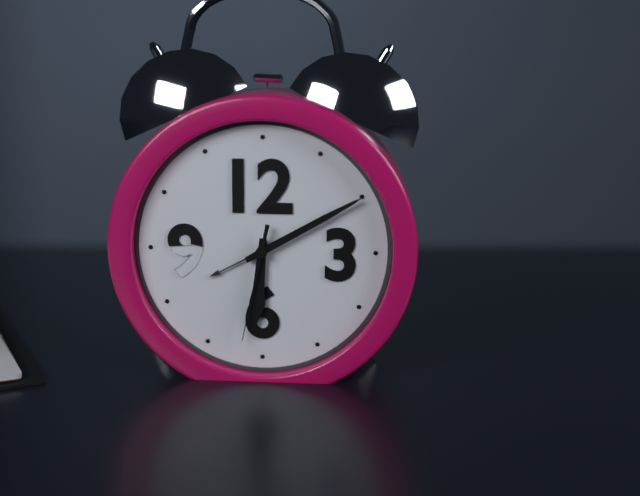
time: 6:10:32
